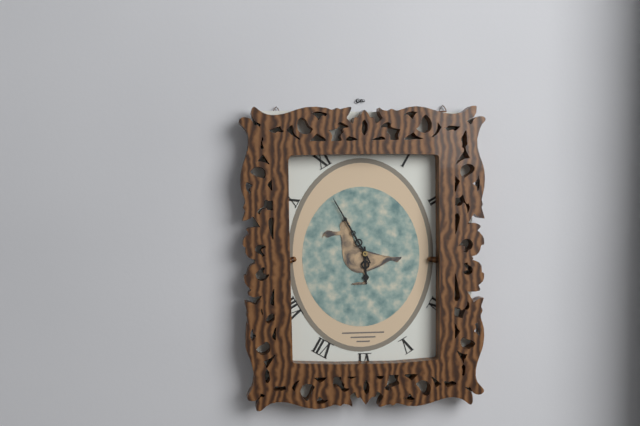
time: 5:55
